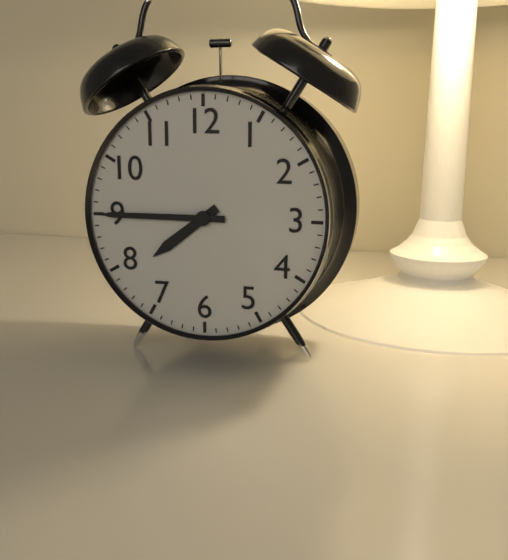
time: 7:45
